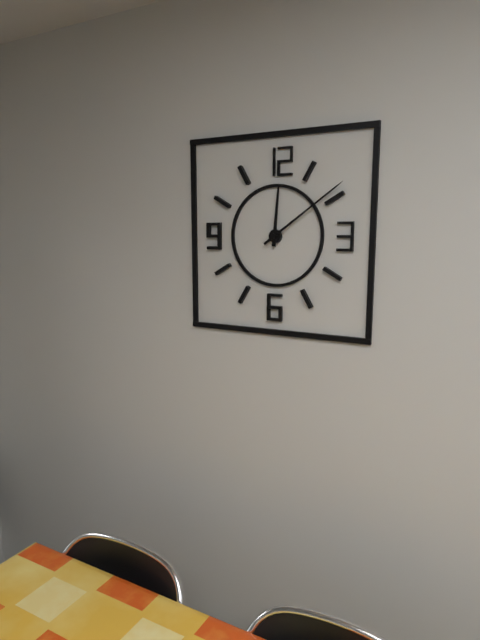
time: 12:09
